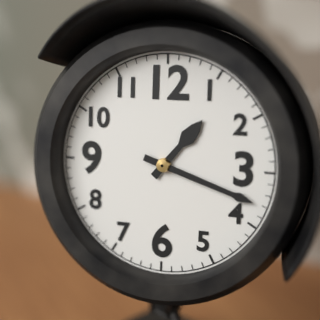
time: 1:18
